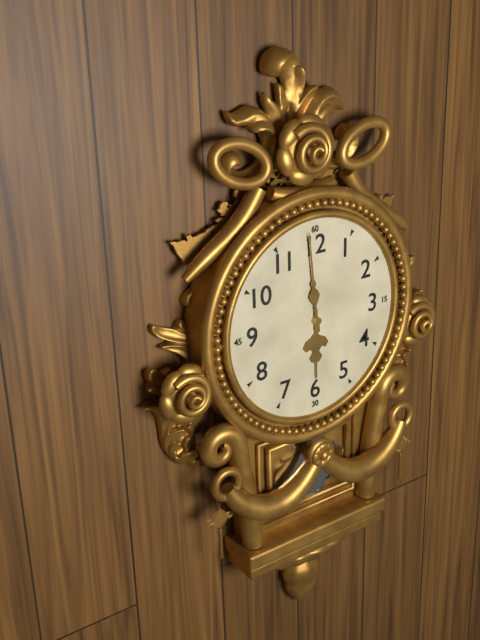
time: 5:59
